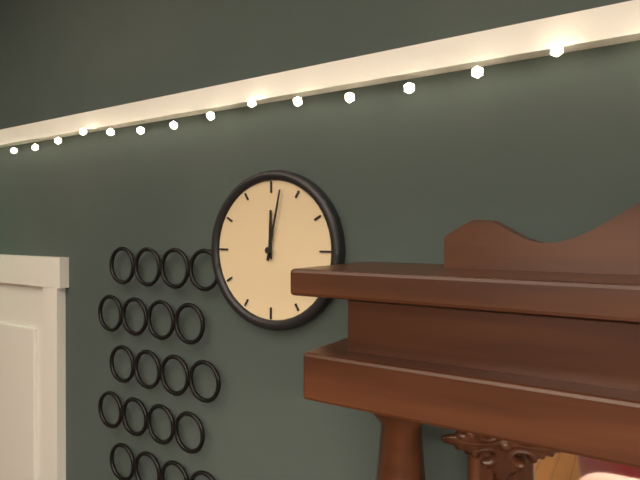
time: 12:02
